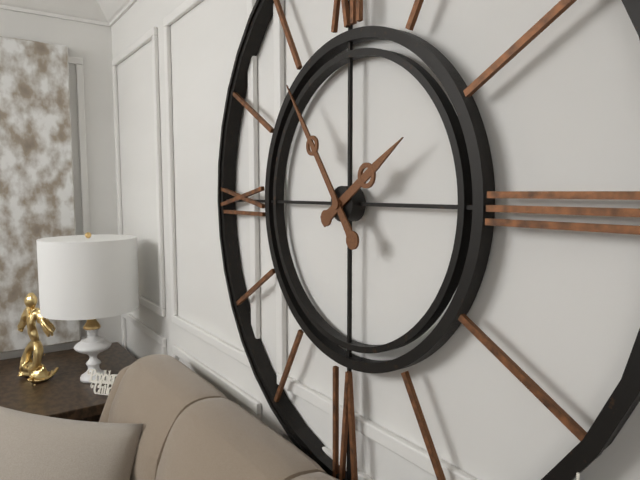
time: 1:54
